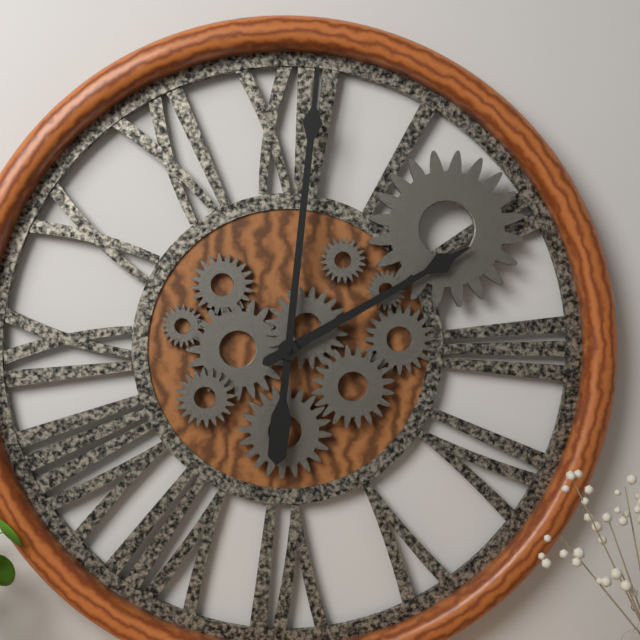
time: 2:01
